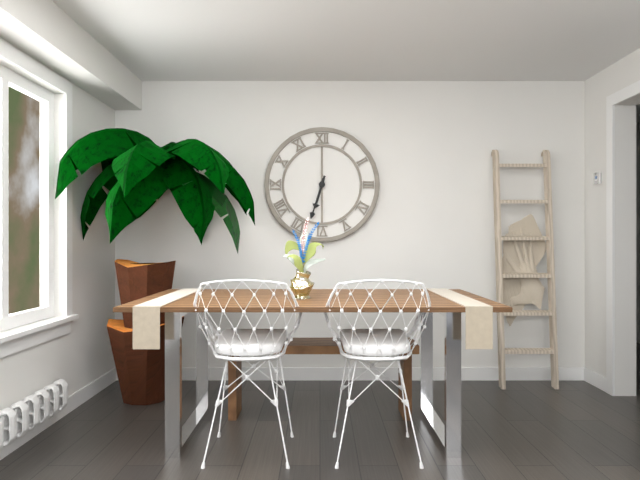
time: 6:33
